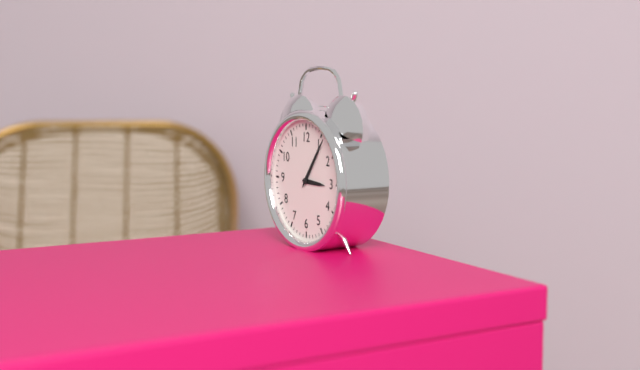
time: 3:06
